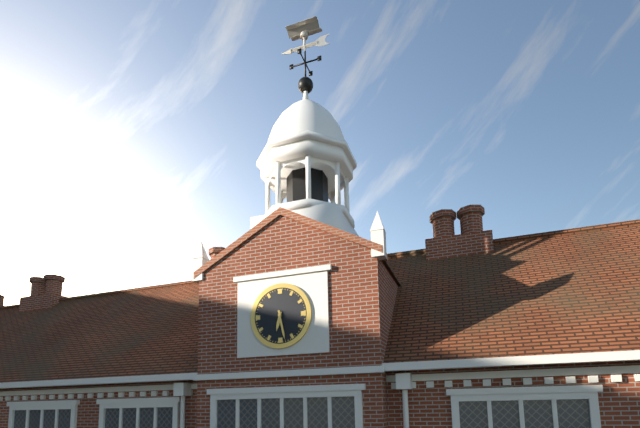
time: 6:28
